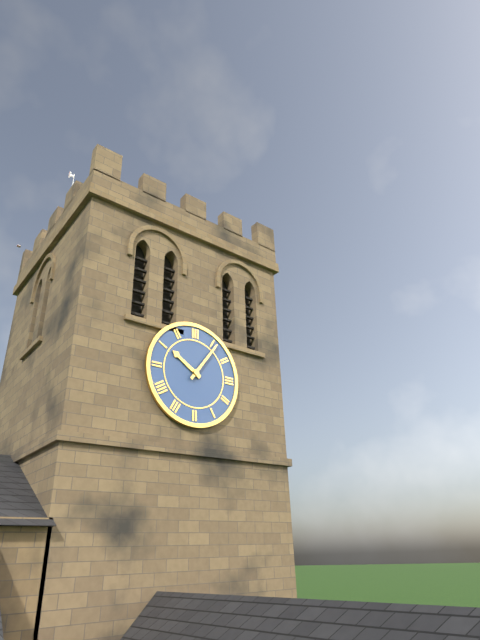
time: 10:06
